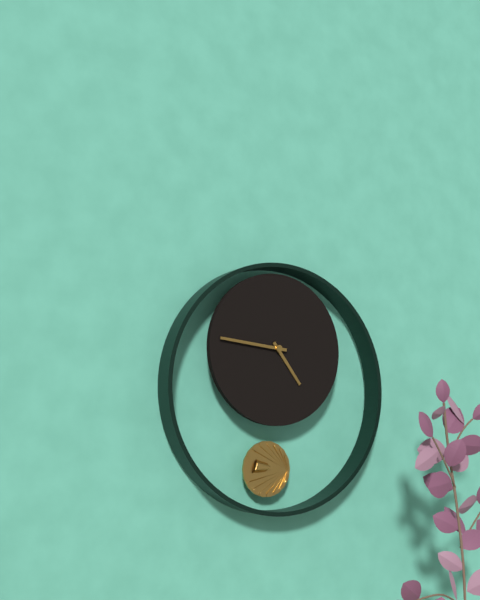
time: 4:46
